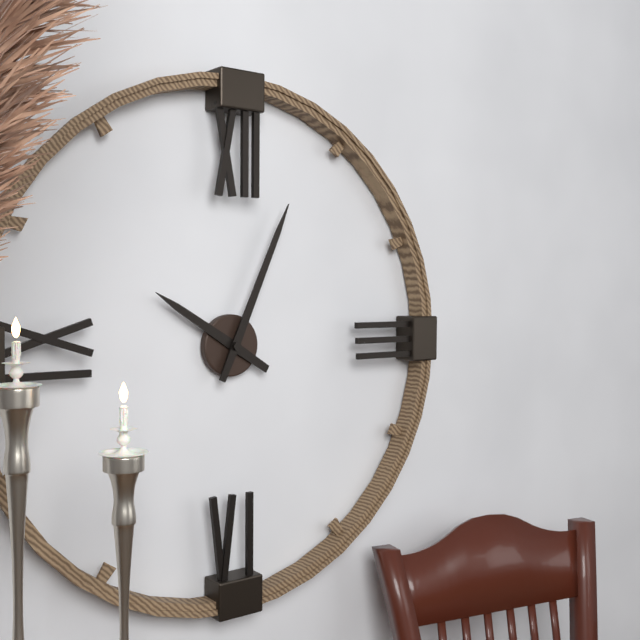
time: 10:04
